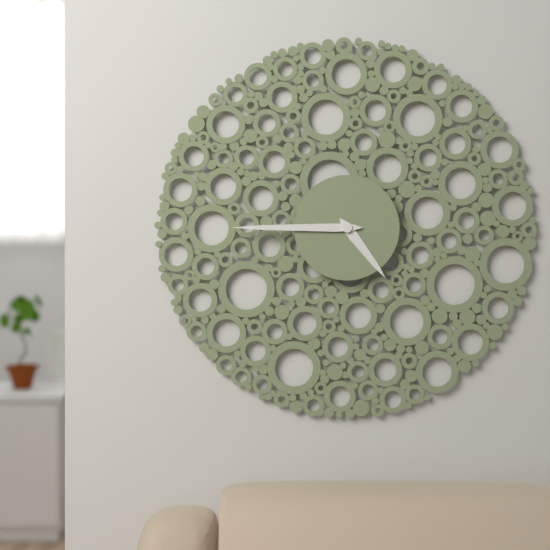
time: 4:45
